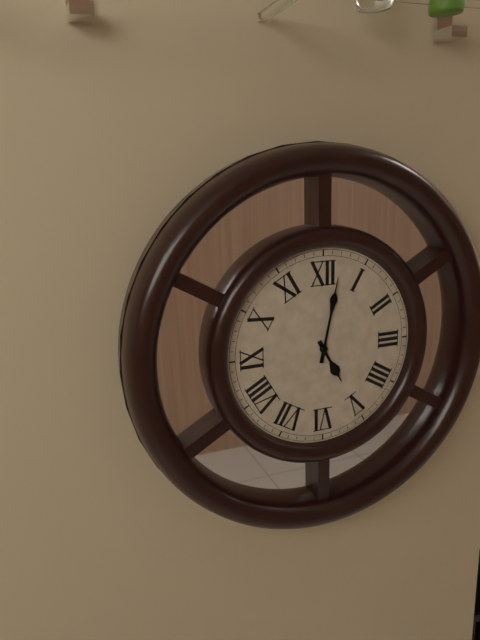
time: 5:02
